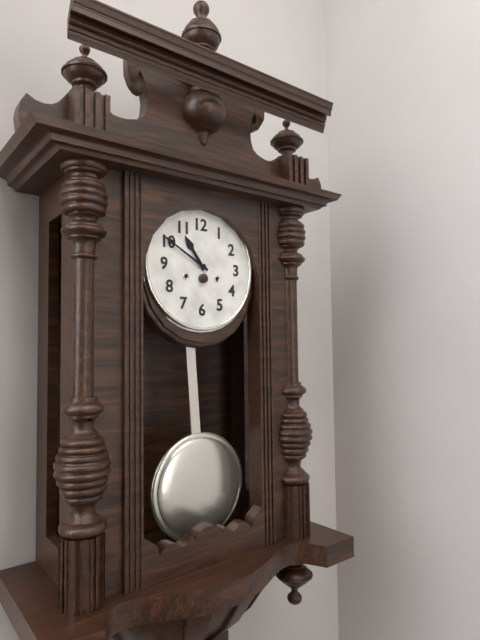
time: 10:50
